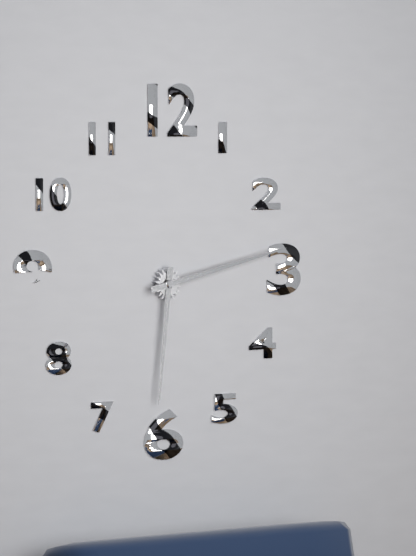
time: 6:13
